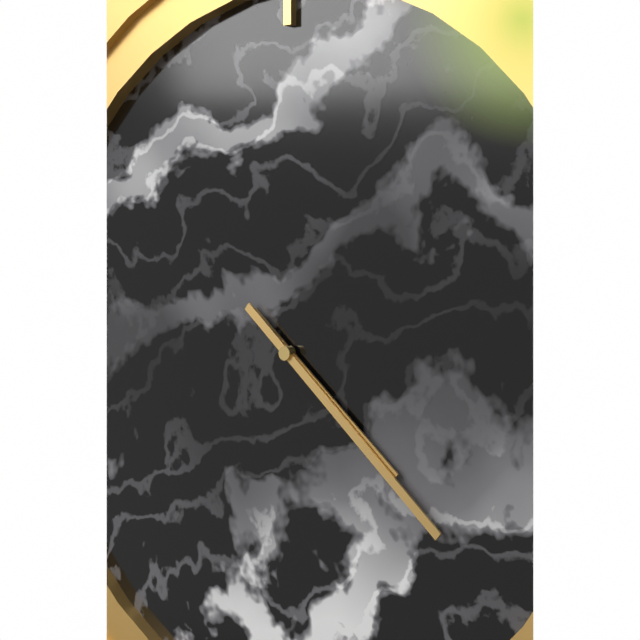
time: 4:22
